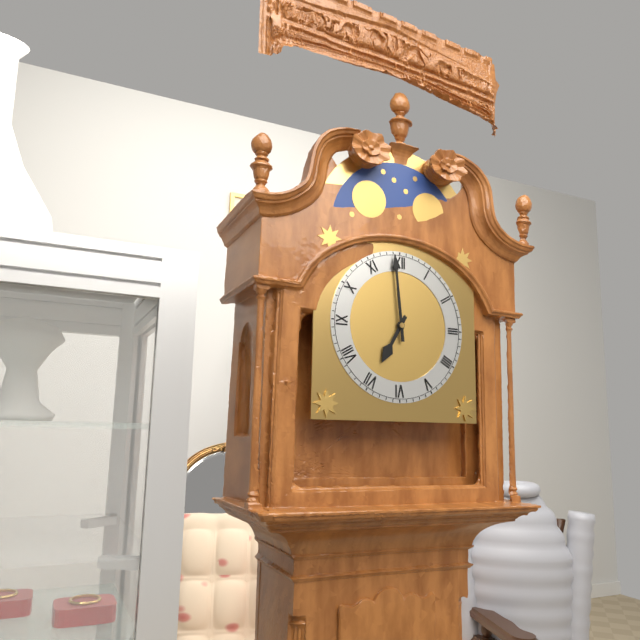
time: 6:59
